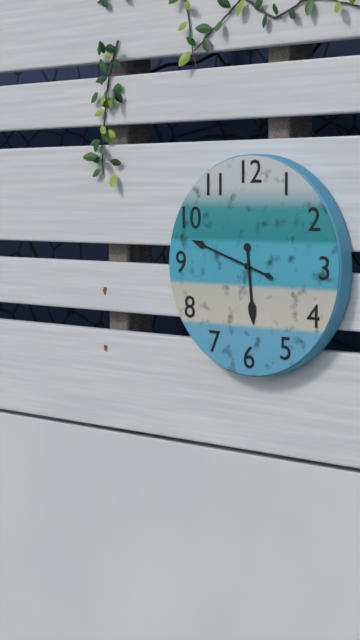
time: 5:48
